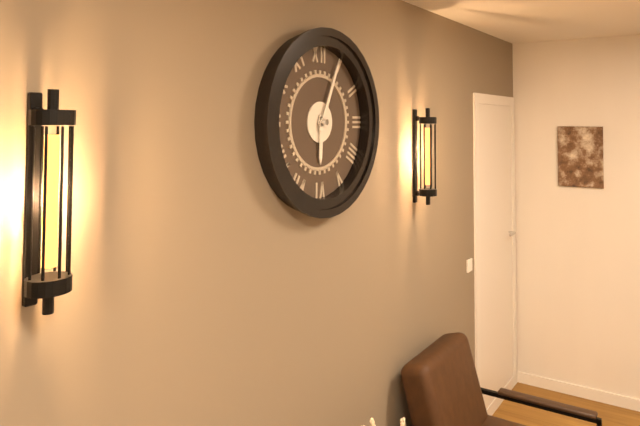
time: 6:04
